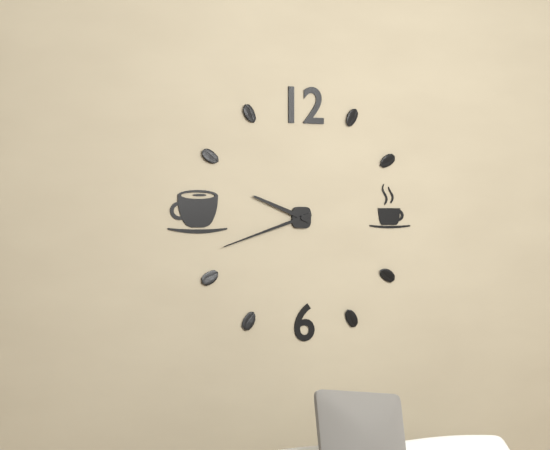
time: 9:42
